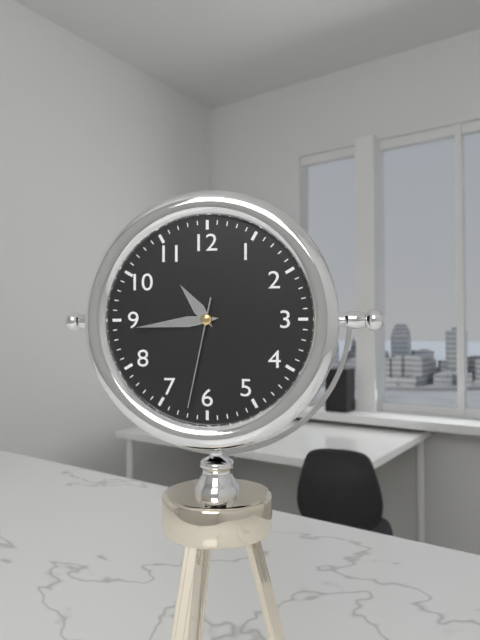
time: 10:44:32
